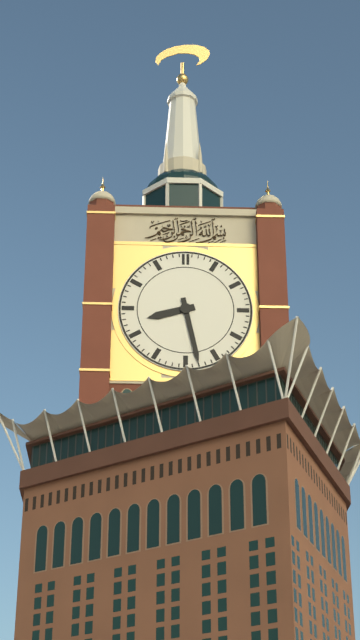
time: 8:28
